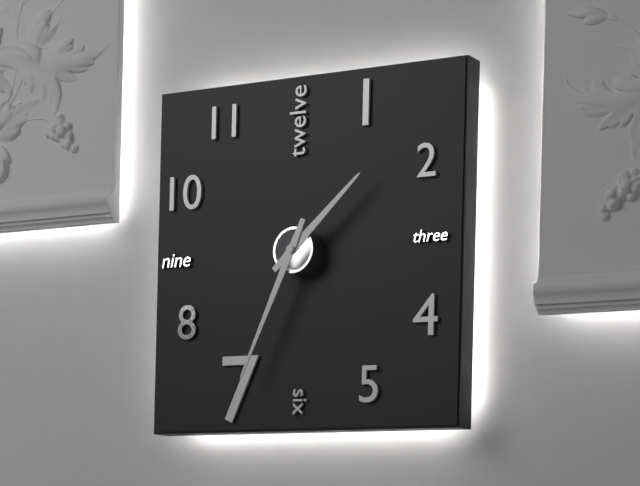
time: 1:34
